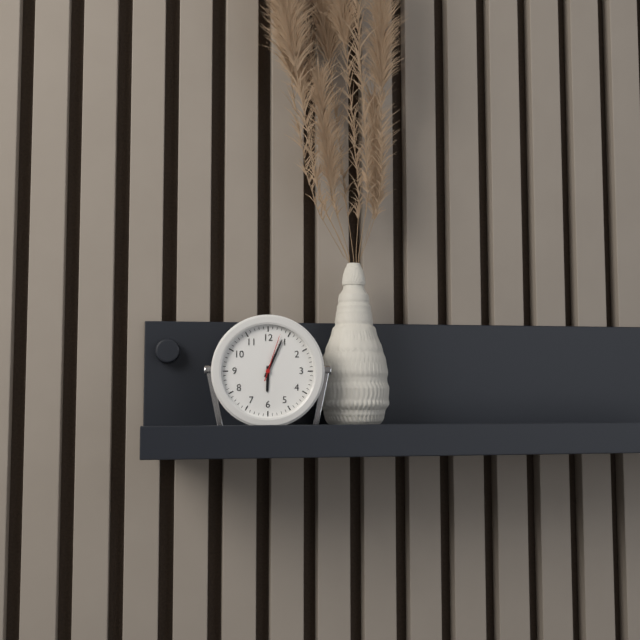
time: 6:04
